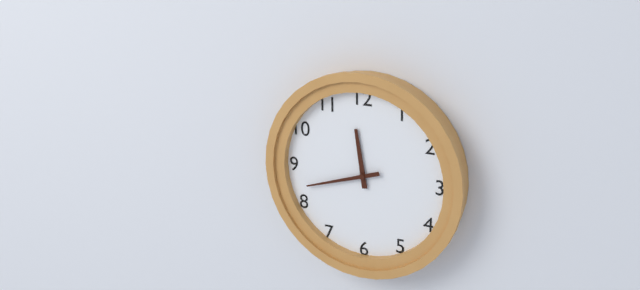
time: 11:42
